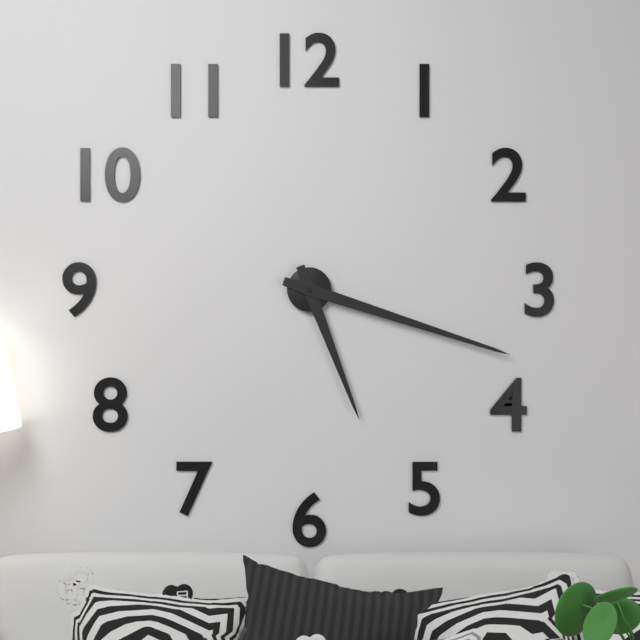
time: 5:18
